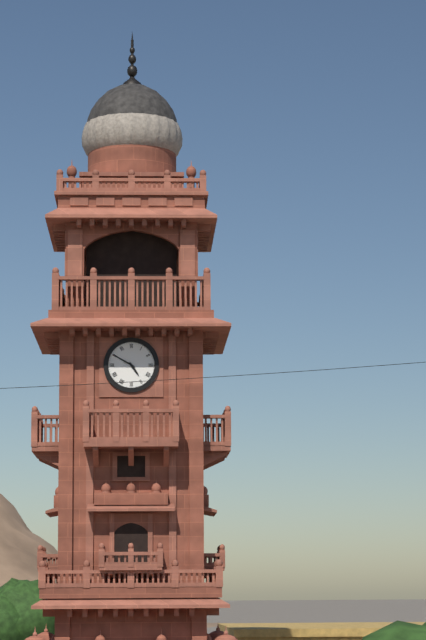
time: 4:50
